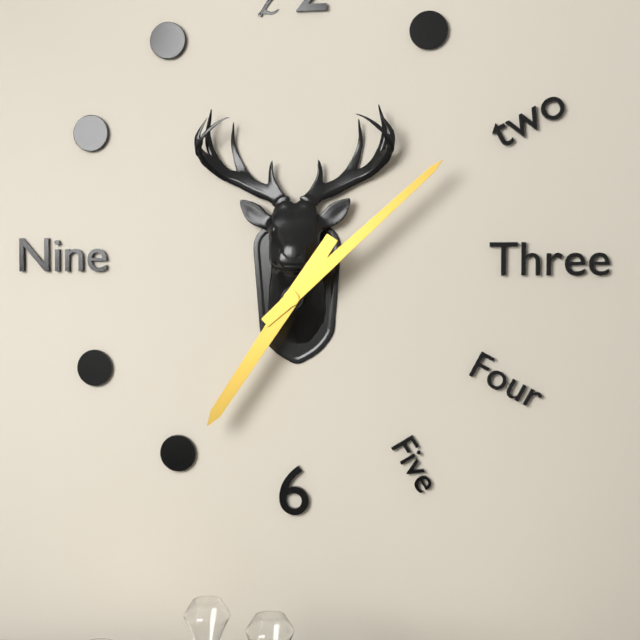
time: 7:08
